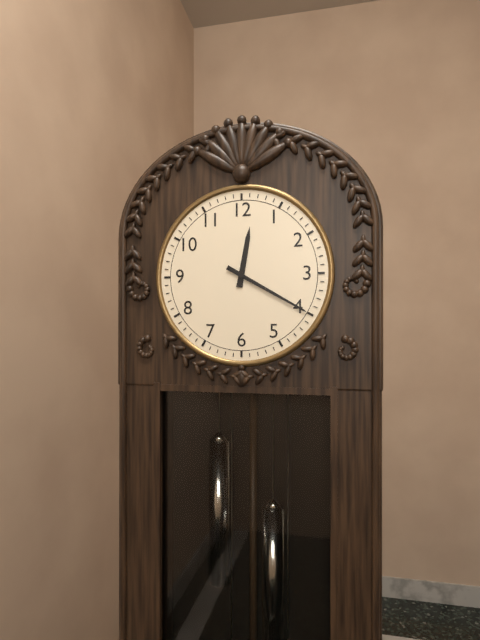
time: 12:20
